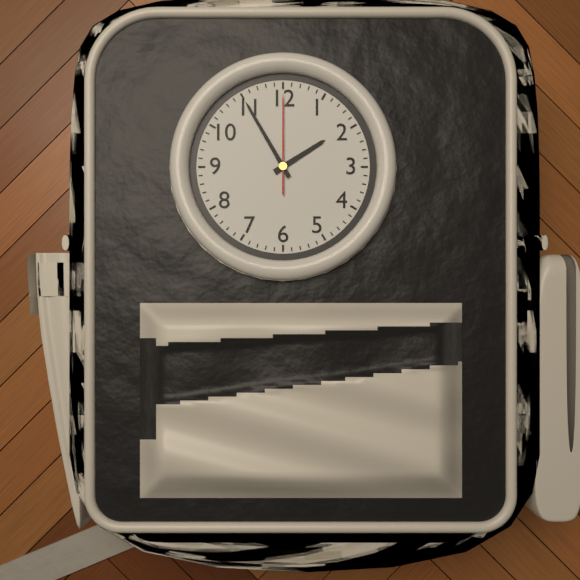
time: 1:55:00
